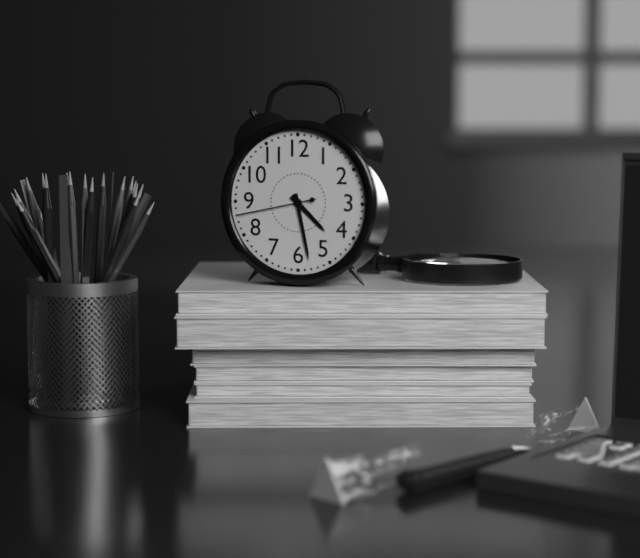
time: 4:28:43
